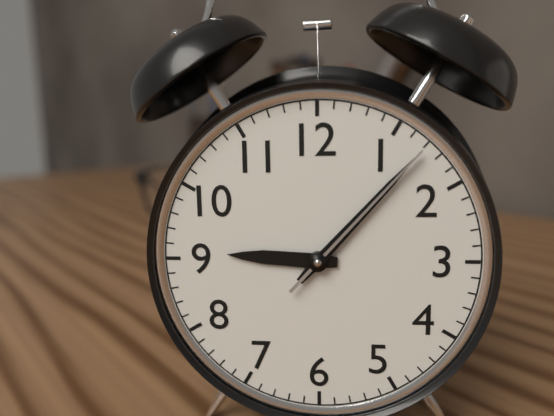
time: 9:07:07
